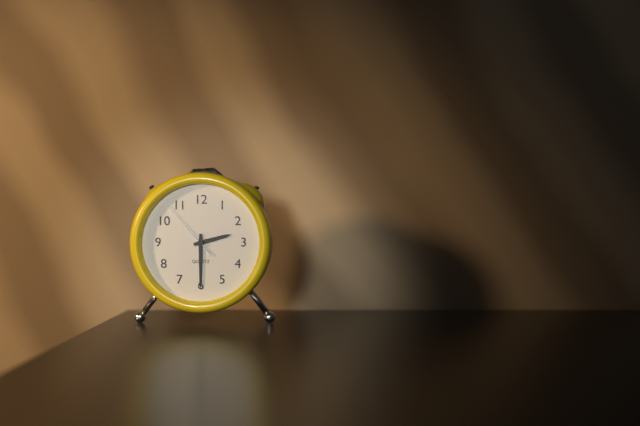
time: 2:30:53
